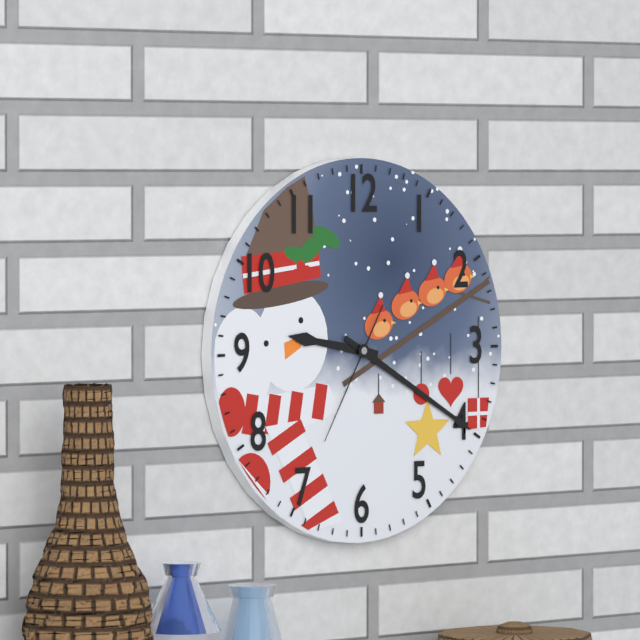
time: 9:20:35
